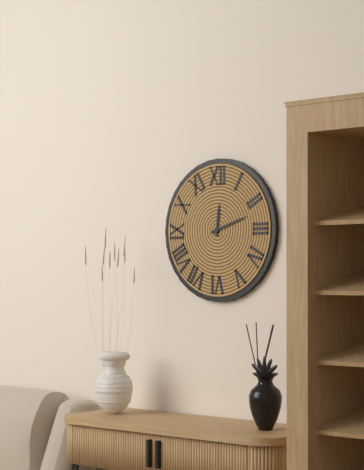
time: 12:12
